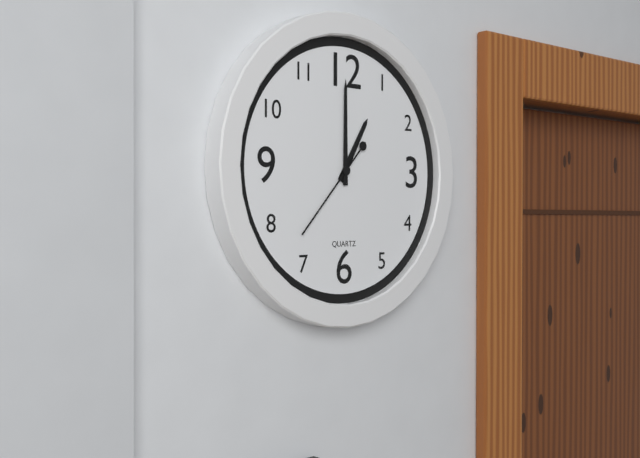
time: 1:00:37
